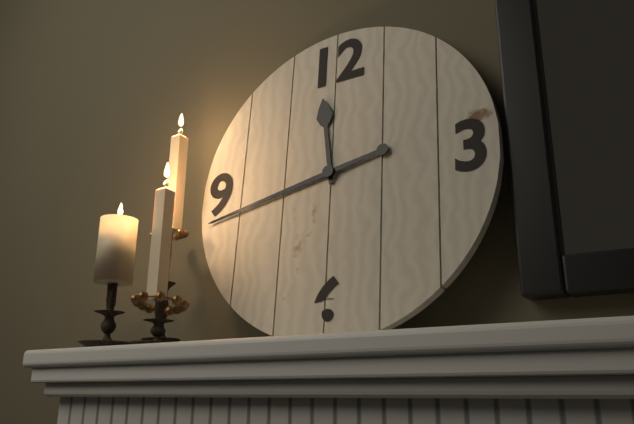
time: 11:43
